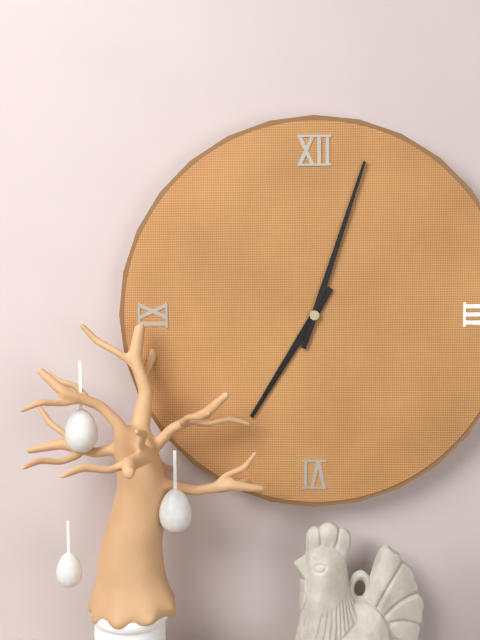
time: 7:03
